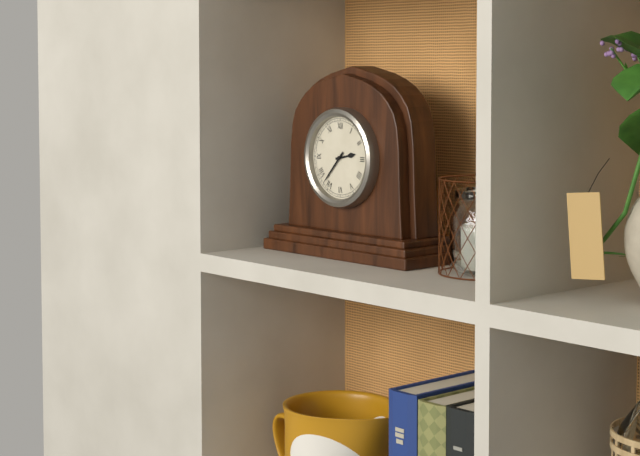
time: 2:37
